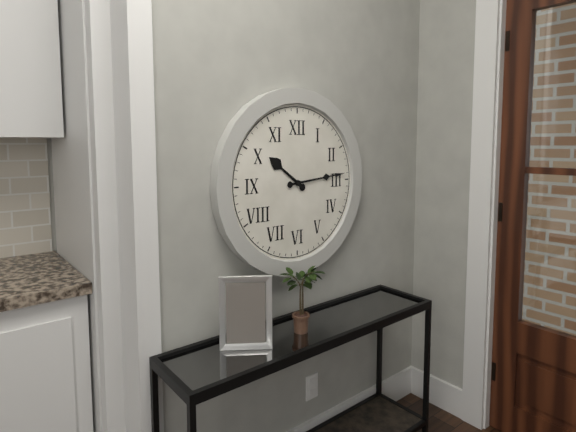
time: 10:14
